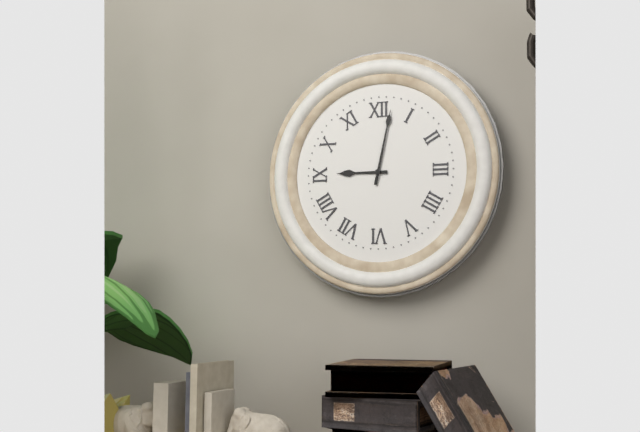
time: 9:02
